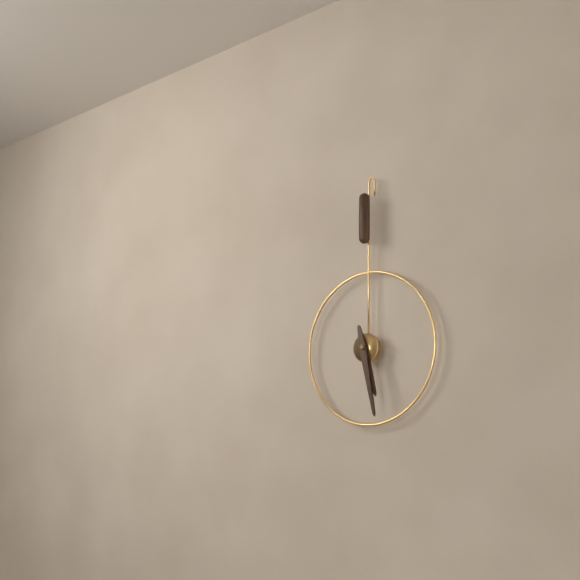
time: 5:28
